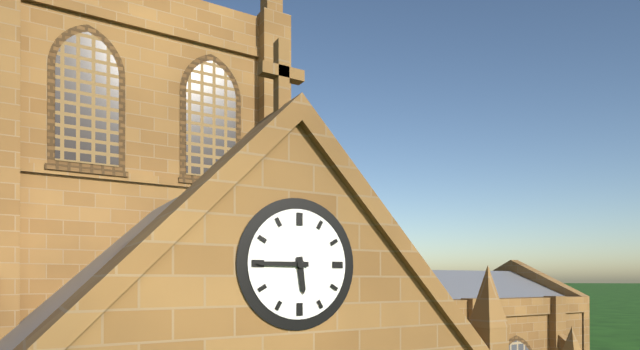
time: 5:45
